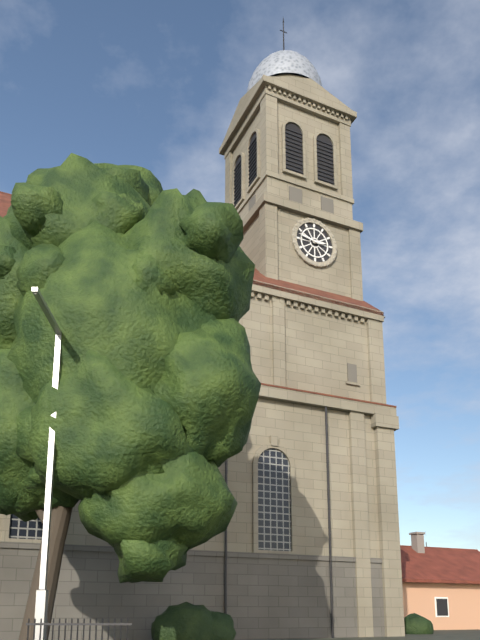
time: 2:47
